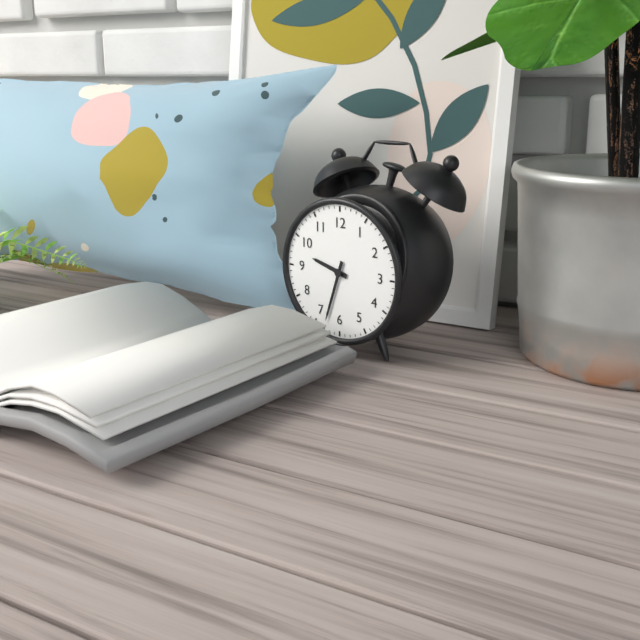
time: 9:33
